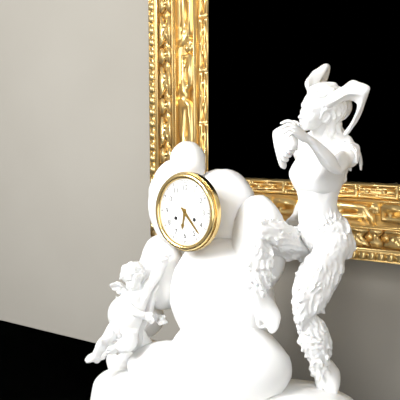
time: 6:23
